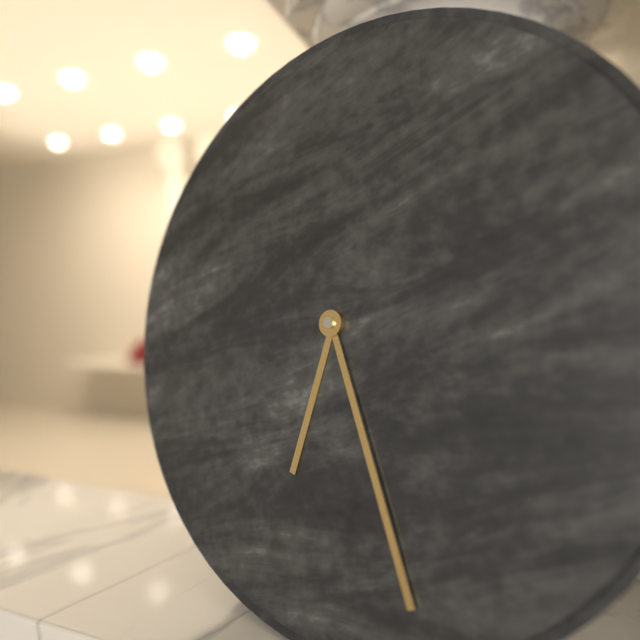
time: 6:26
